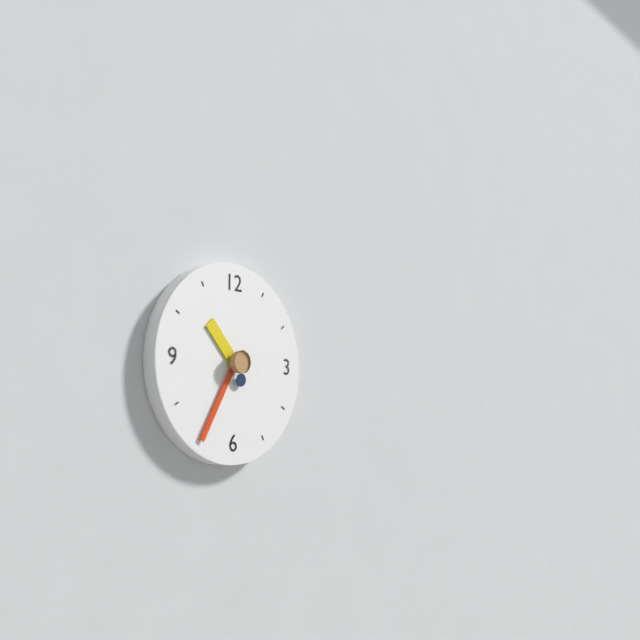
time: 10:35
